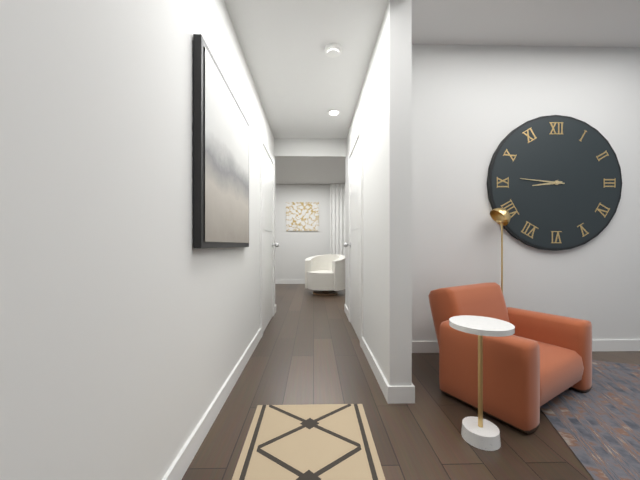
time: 8:46
